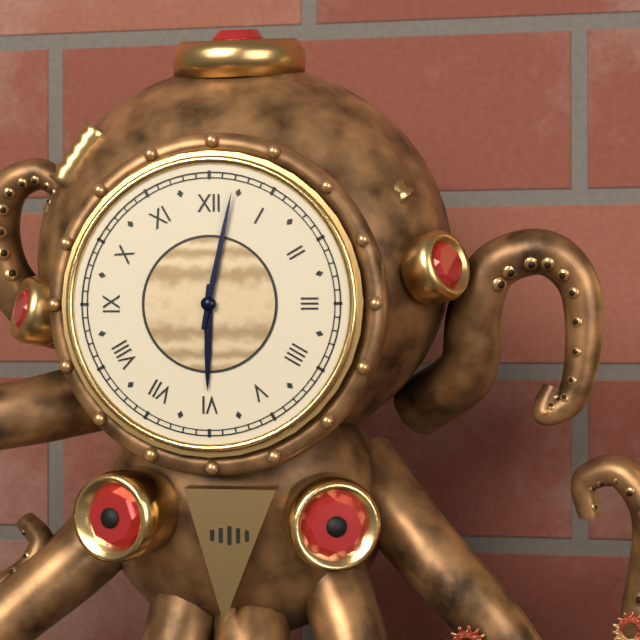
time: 6:02
